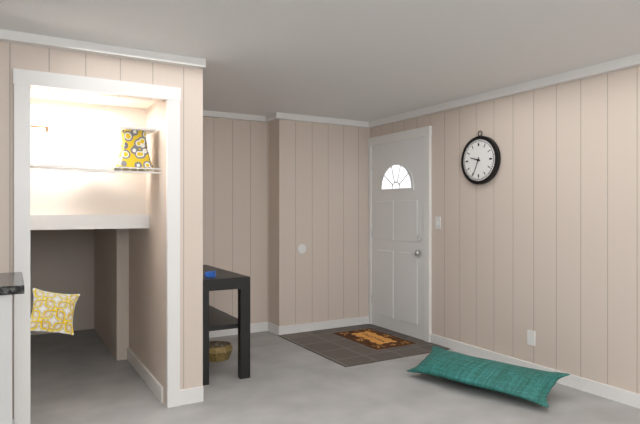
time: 9:34
